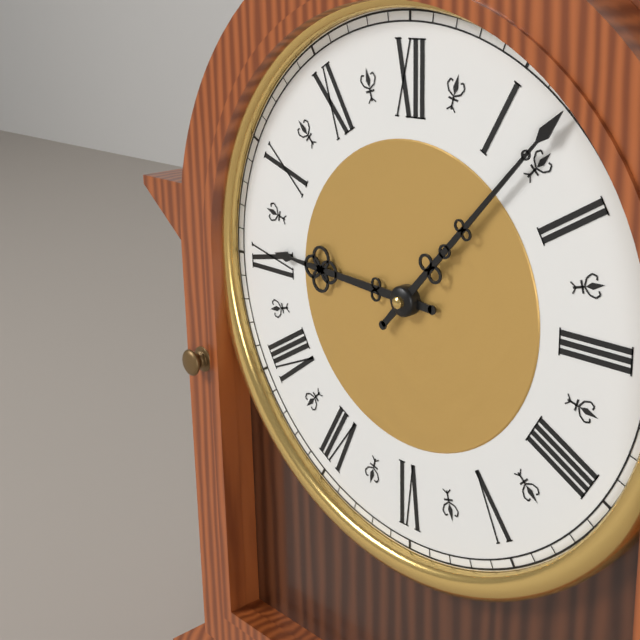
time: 9:07
